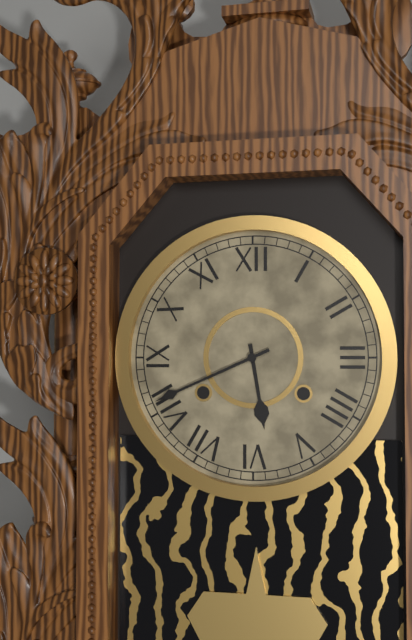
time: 5:41
